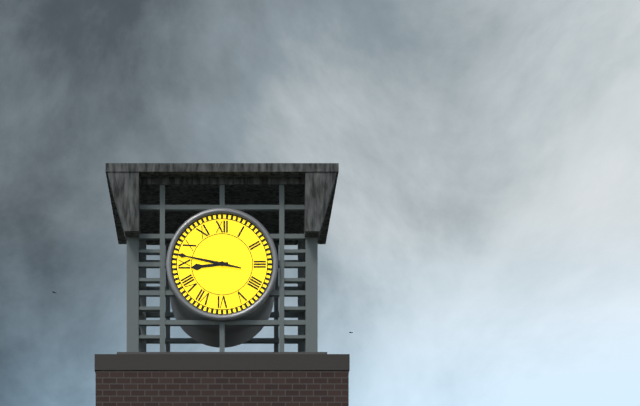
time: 8:47
